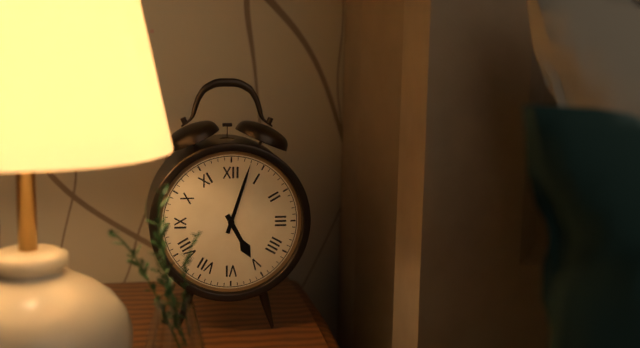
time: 5:03
